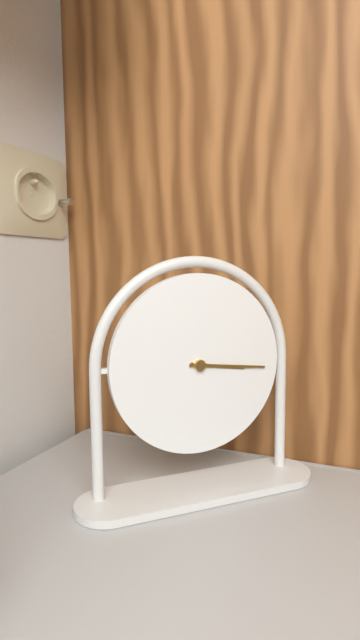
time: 3:16
